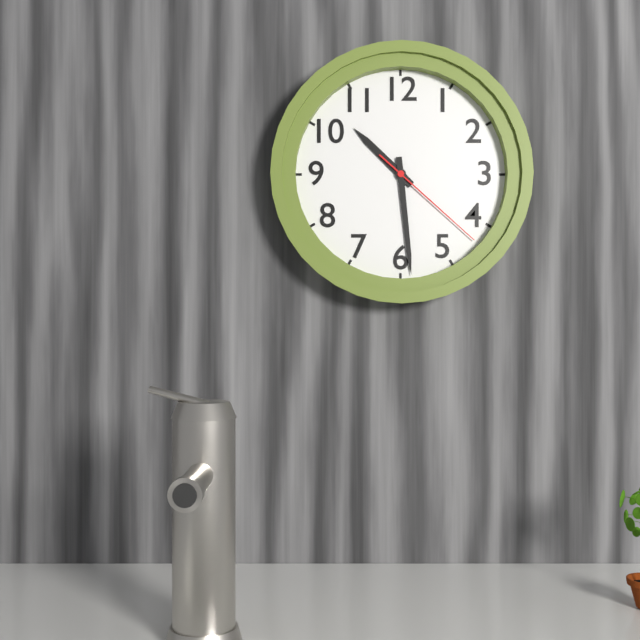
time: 10:29:22
